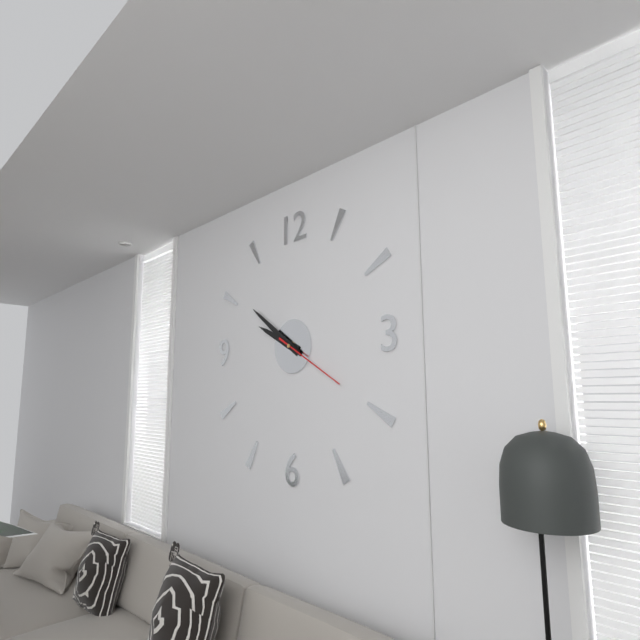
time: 9:51:20
